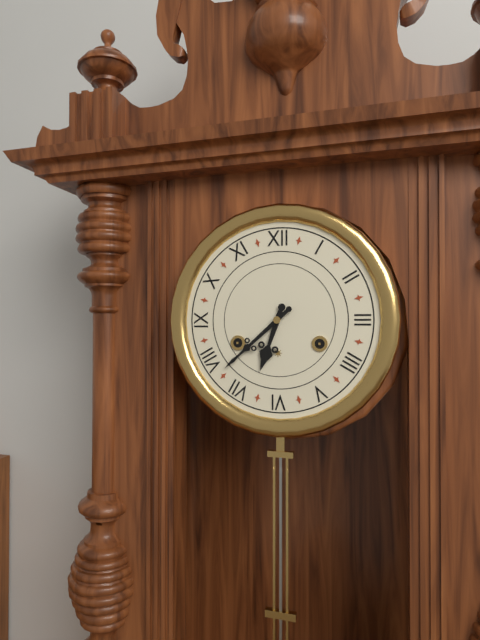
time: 6:38
